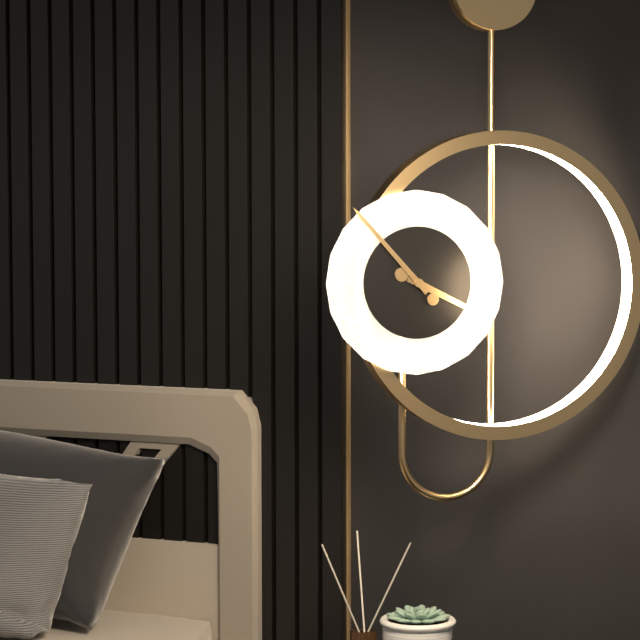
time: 3:53
